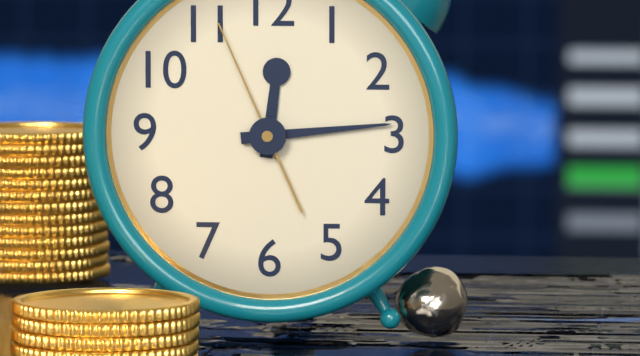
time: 12:14:56
